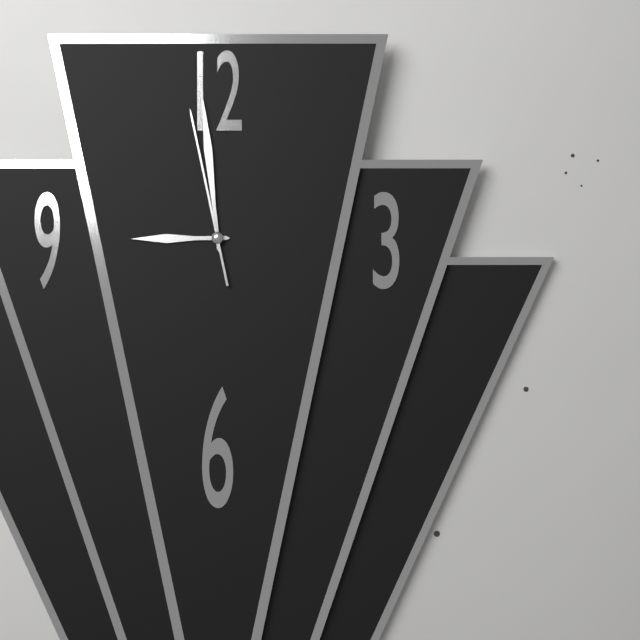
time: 8:59:58
